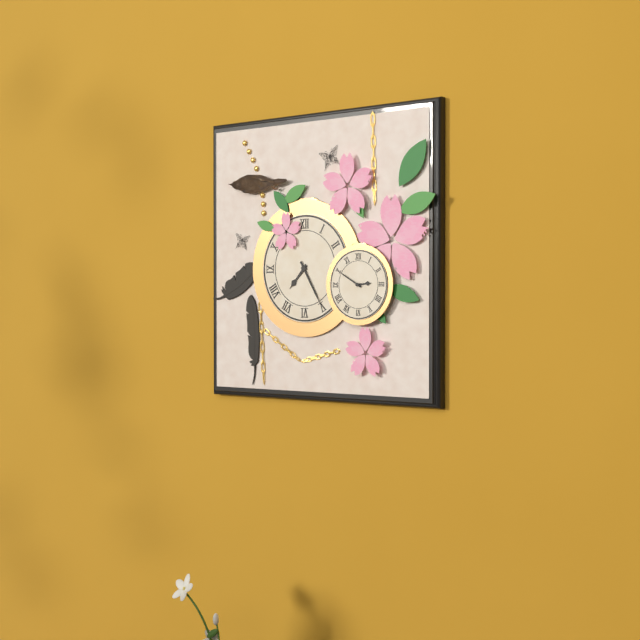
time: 7:25
